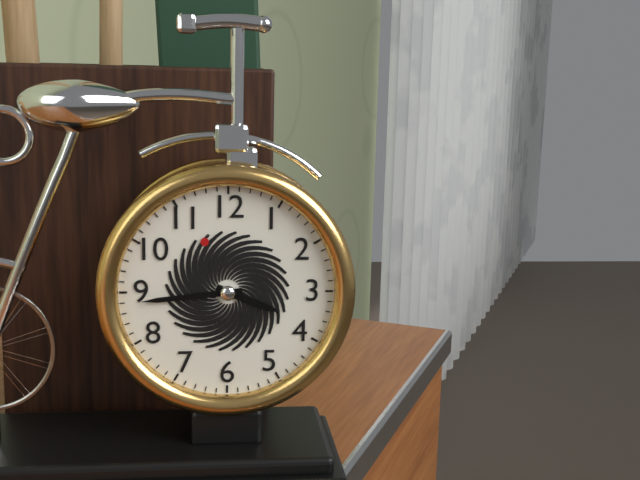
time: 3:44
